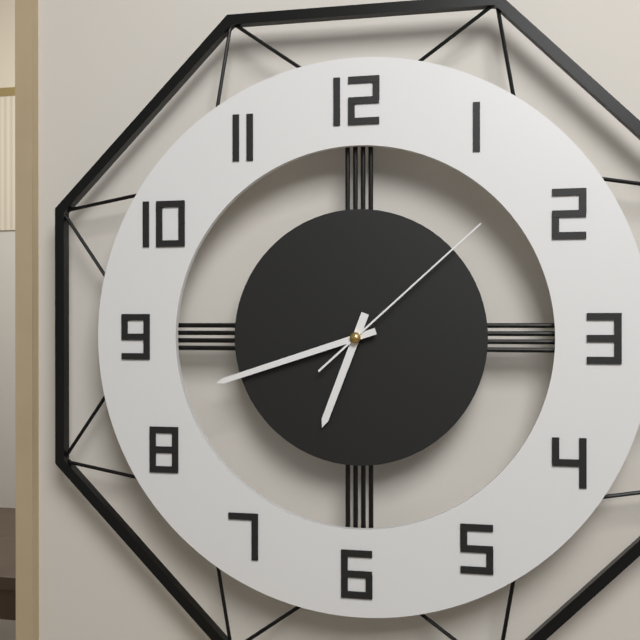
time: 6:42:08
